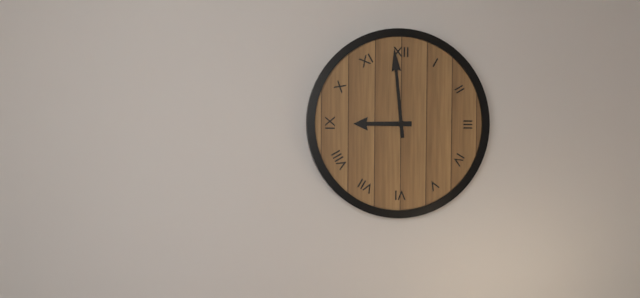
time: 8:59
